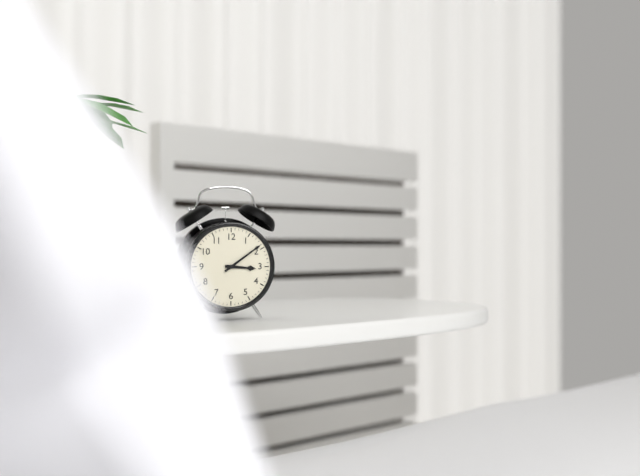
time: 3:09
